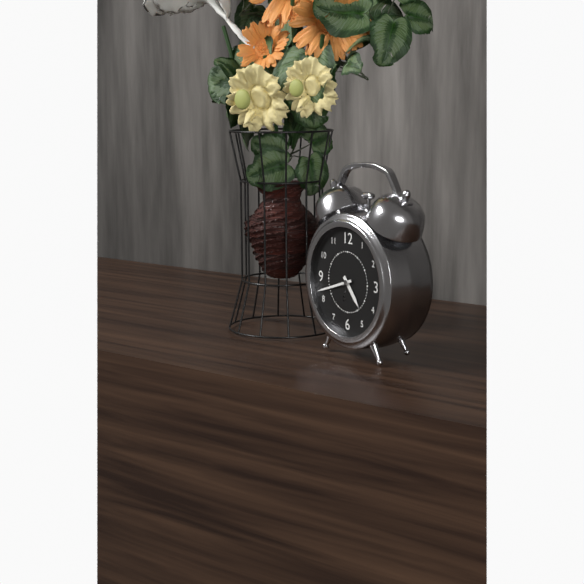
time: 4:42
